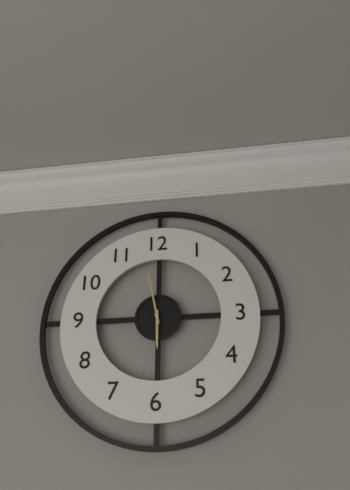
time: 5:58
